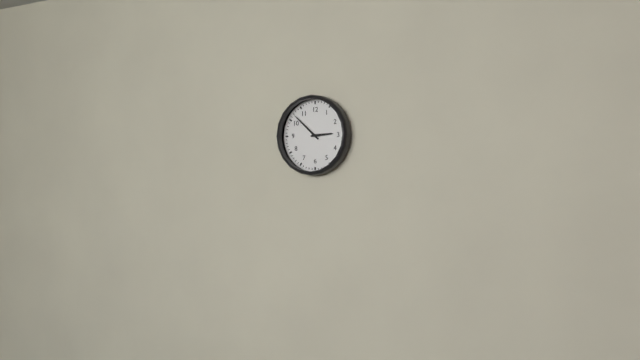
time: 2:52
